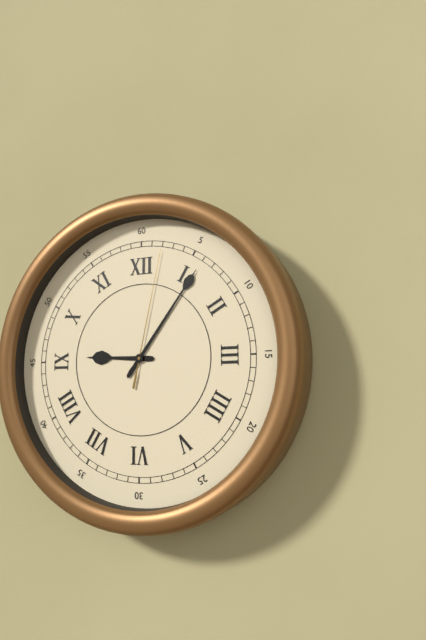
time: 9:06:02
